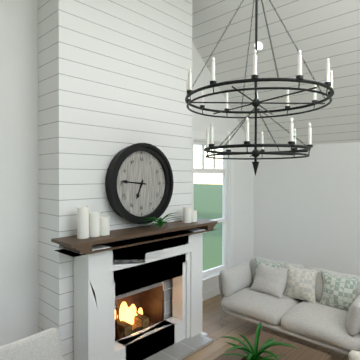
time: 6:46
